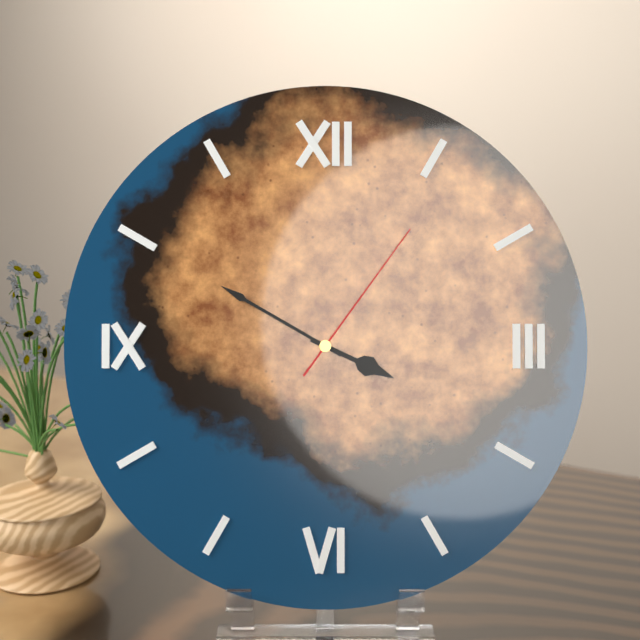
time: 3:50:06
